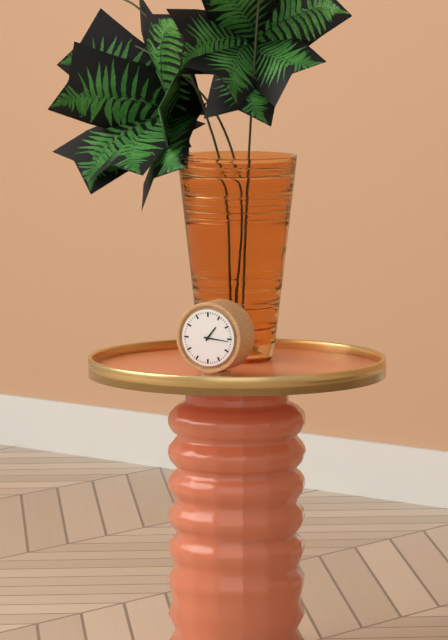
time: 1:16
